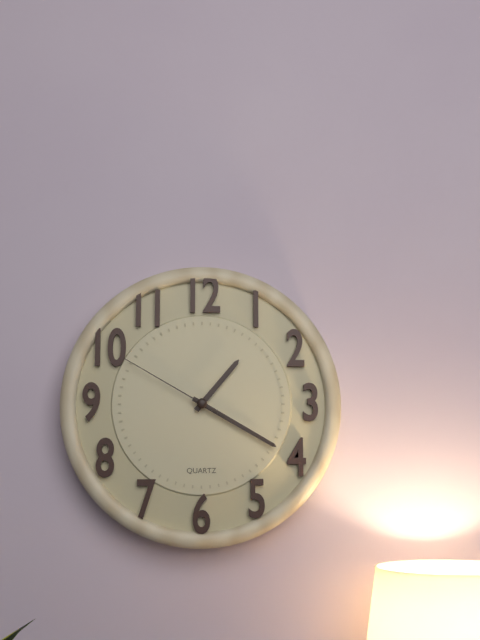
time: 1:20:50
